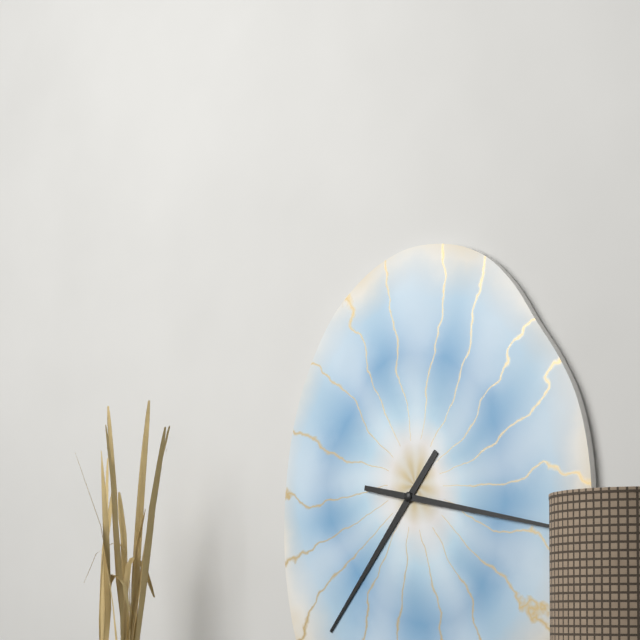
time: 7:17
